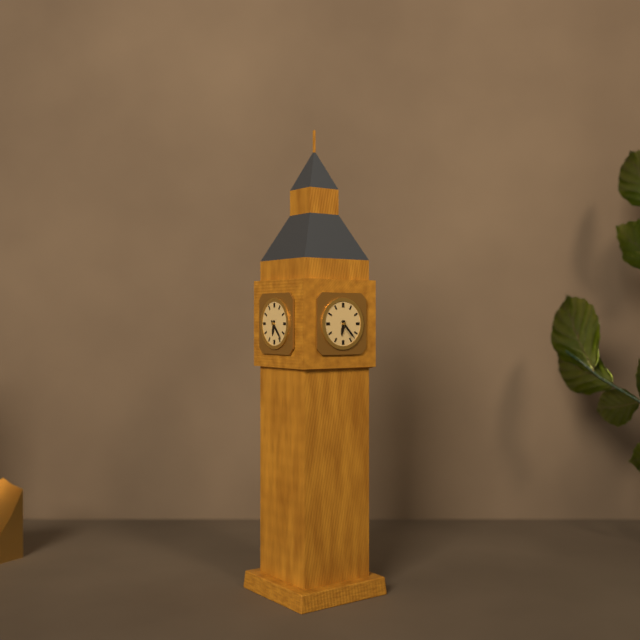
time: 6:23
